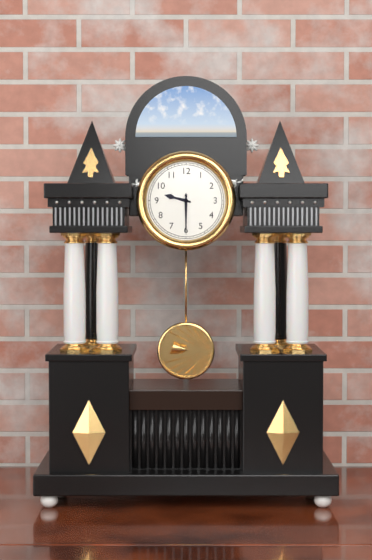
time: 9:30
